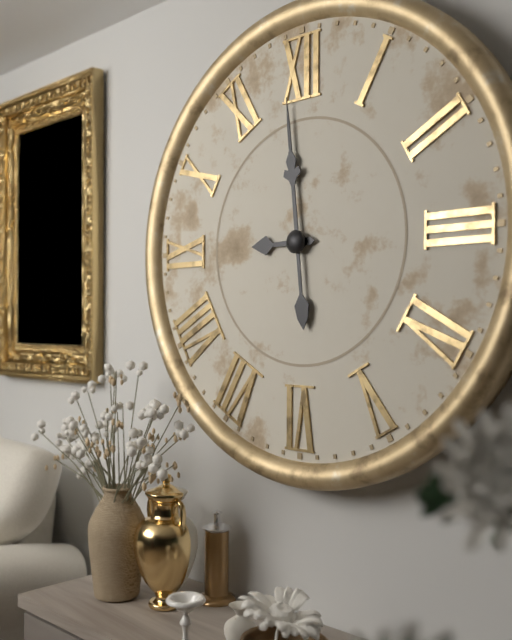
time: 8:59
